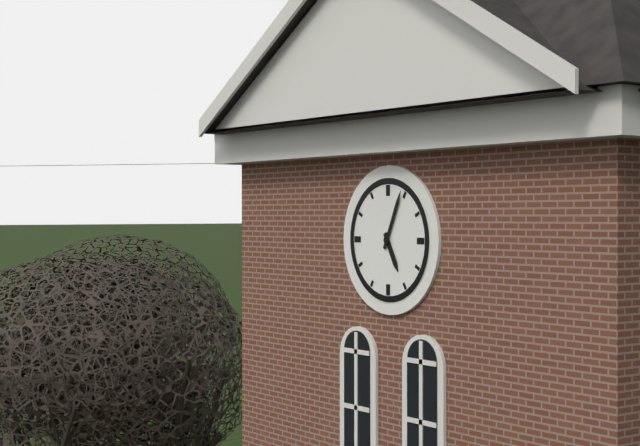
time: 5:04
